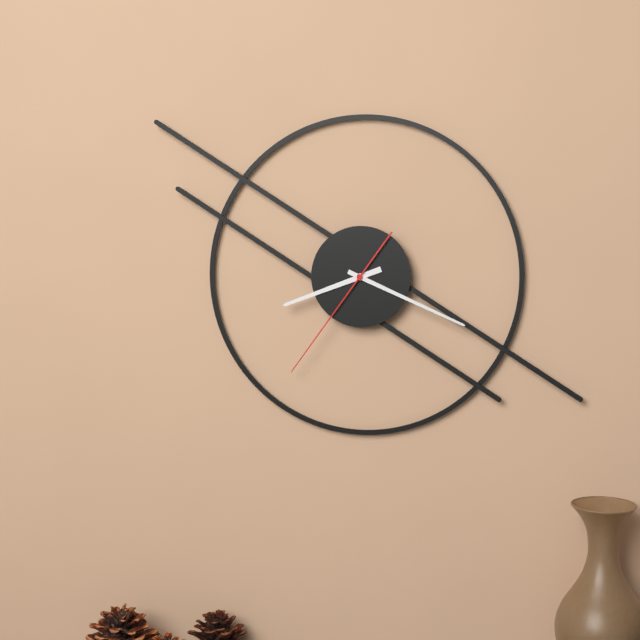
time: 8:19:36
